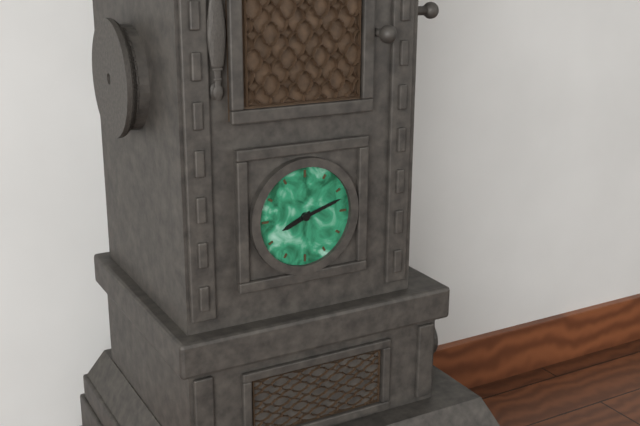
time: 8:12
